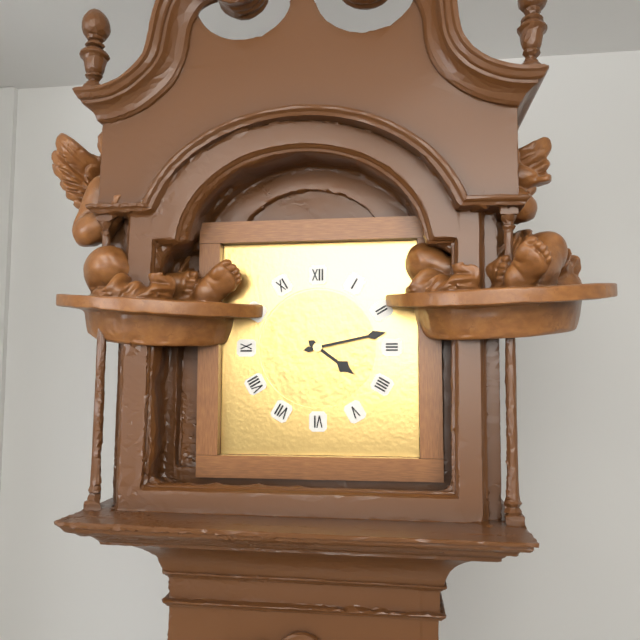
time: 4:13
